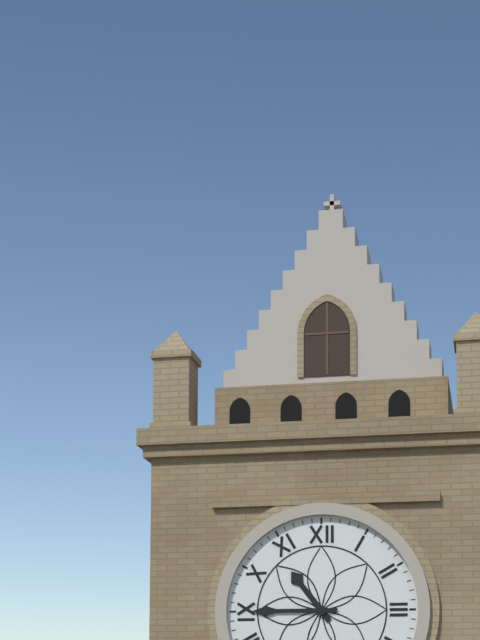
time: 10:45
